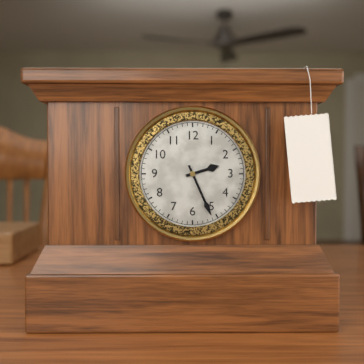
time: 2:26
